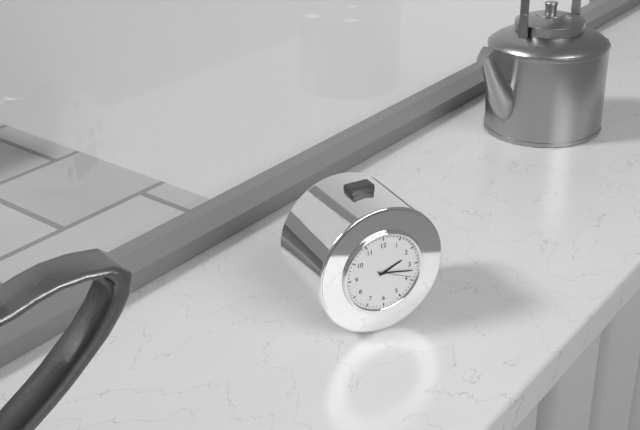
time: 2:17
